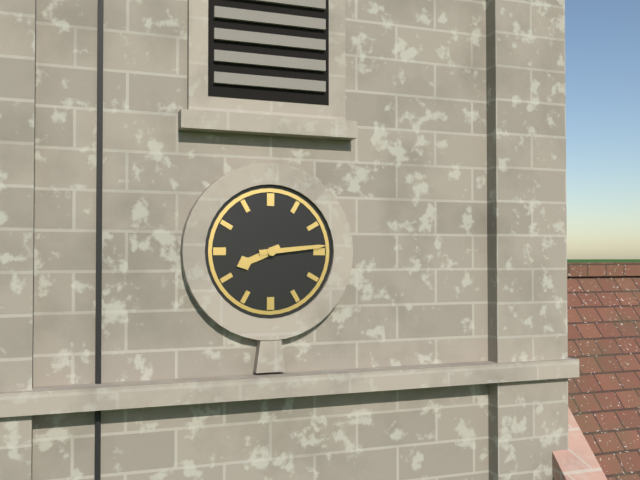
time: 8:14
